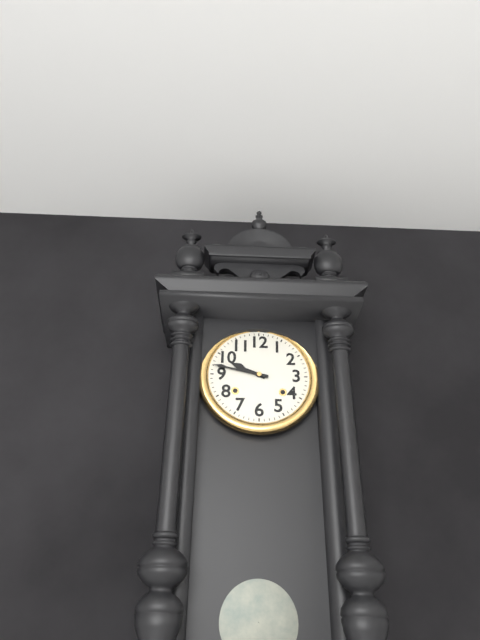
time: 9:47
